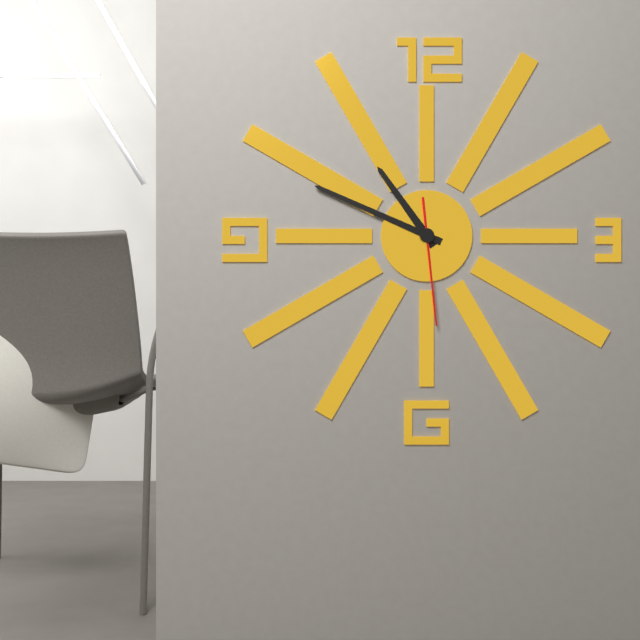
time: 10:49:29
